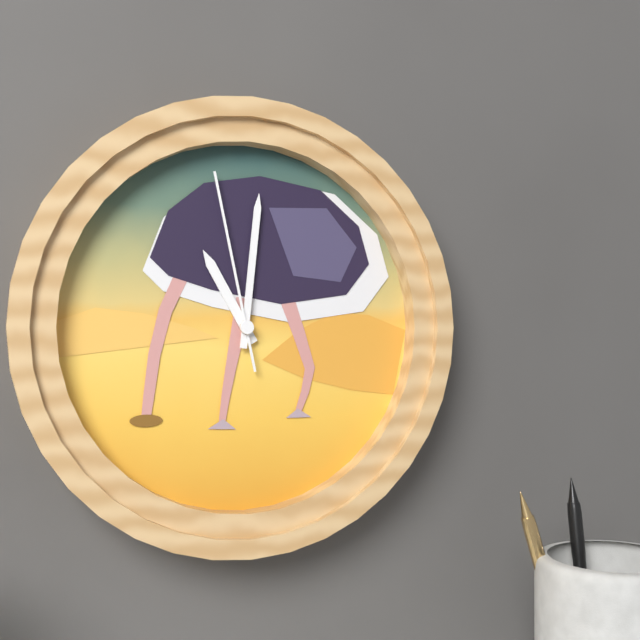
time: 11:01:58
